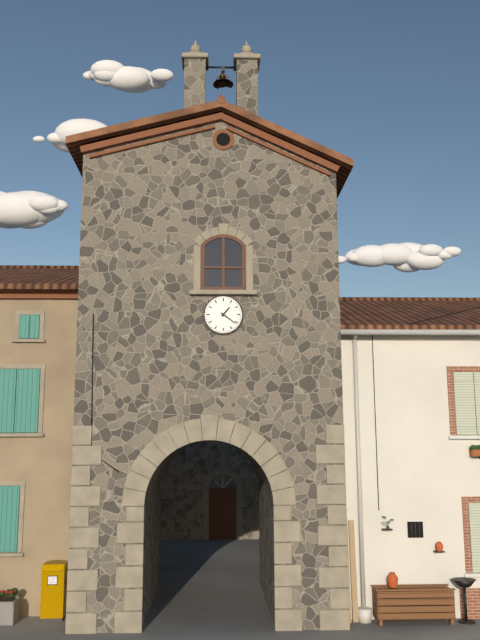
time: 1:21
